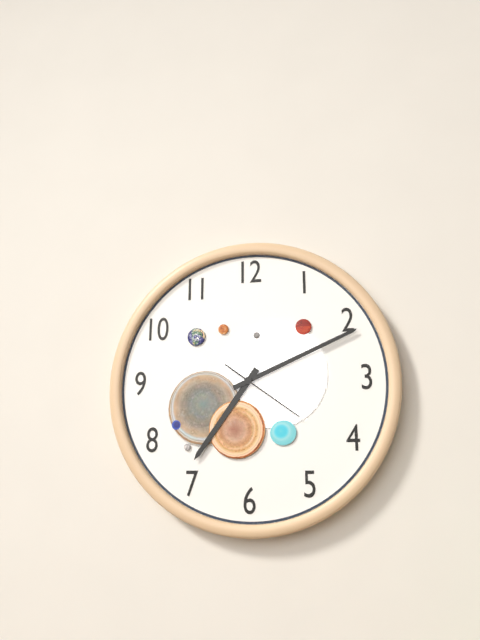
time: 7:11:21
